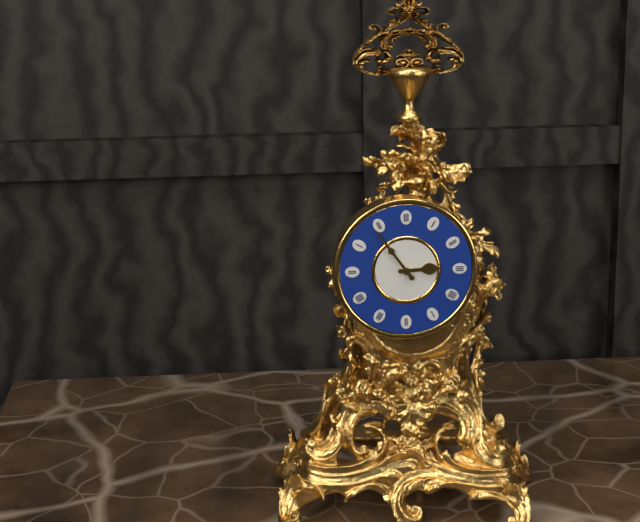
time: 2:54
